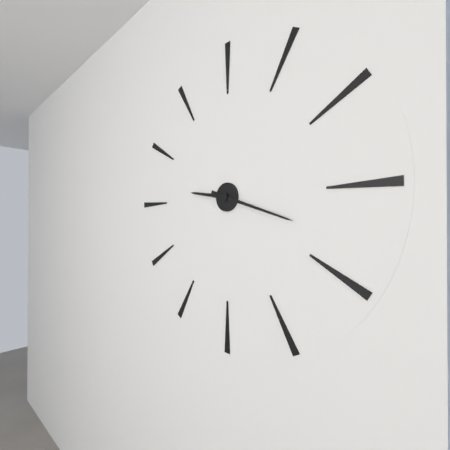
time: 9:18
